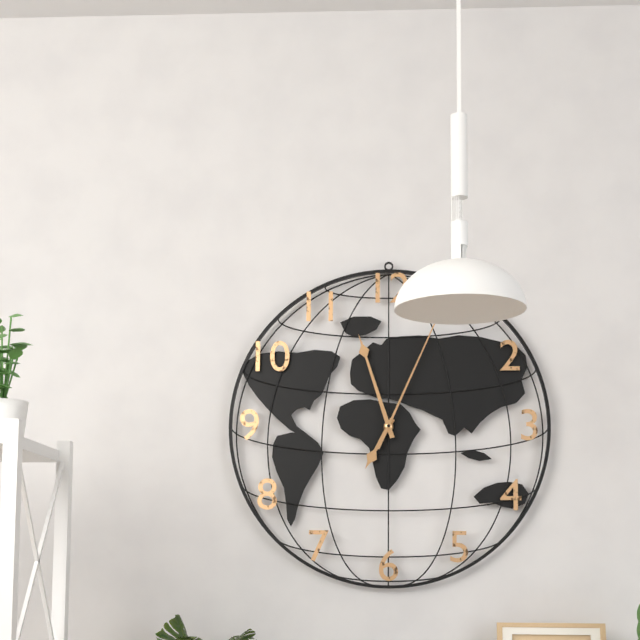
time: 6:57:04
